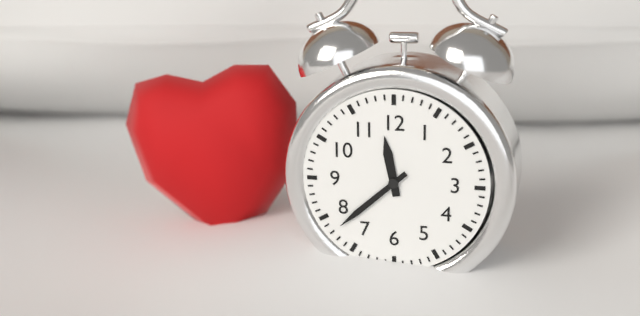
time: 11:38
